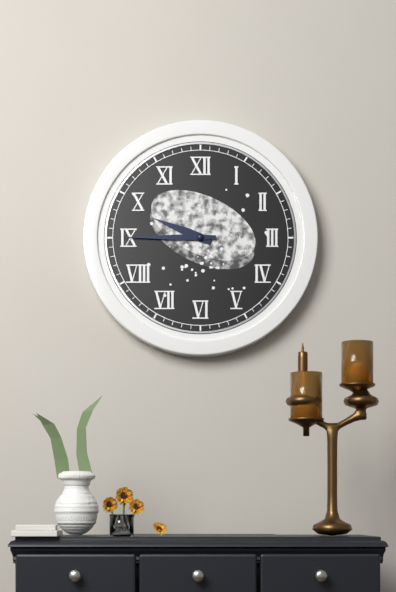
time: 9:45
